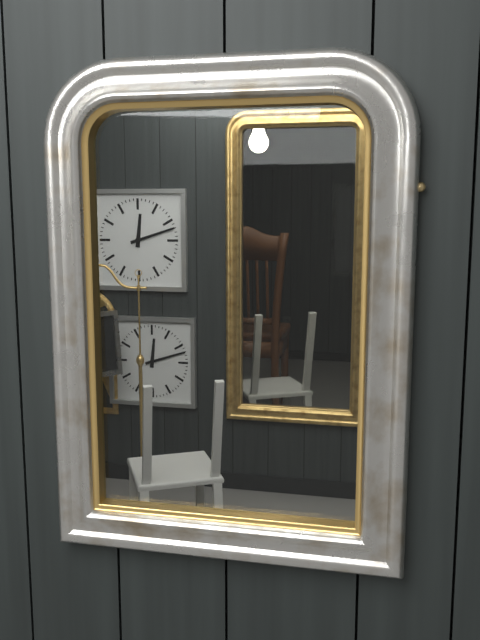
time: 12:12
